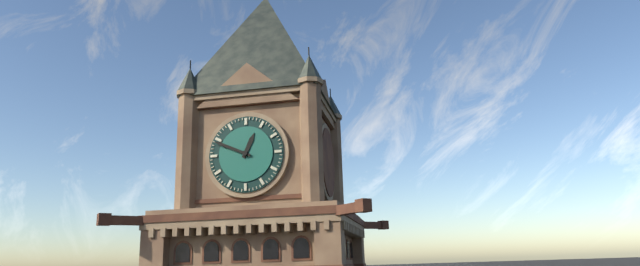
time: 12:49
